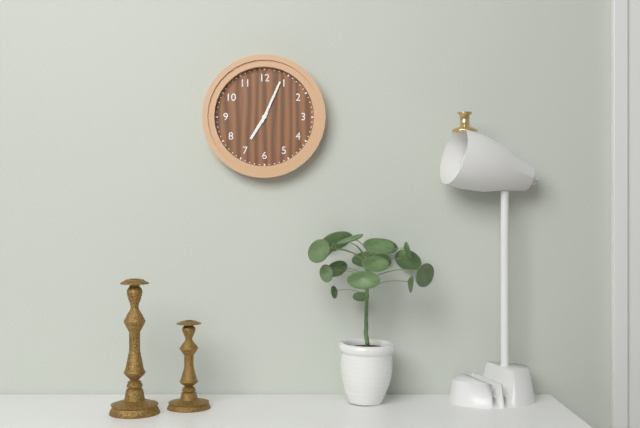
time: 7:04
